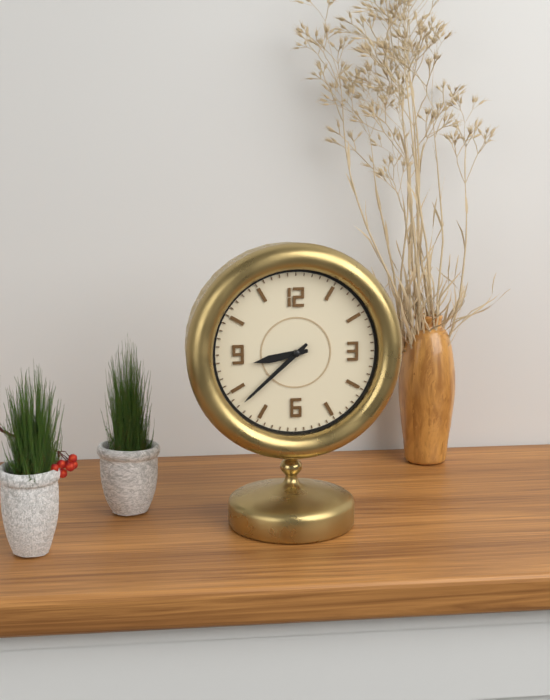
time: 8:38
